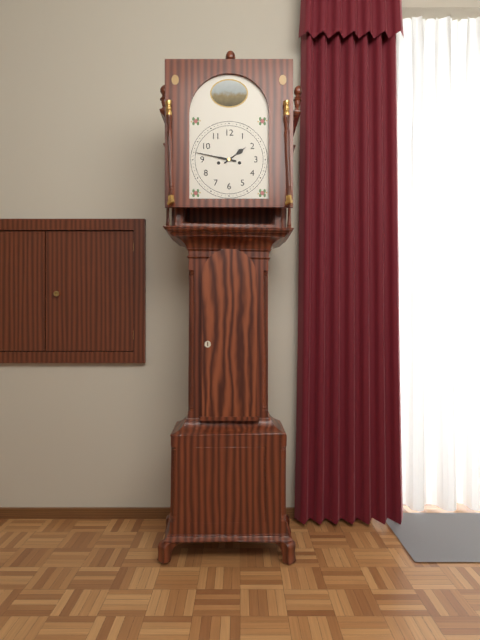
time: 1:47
